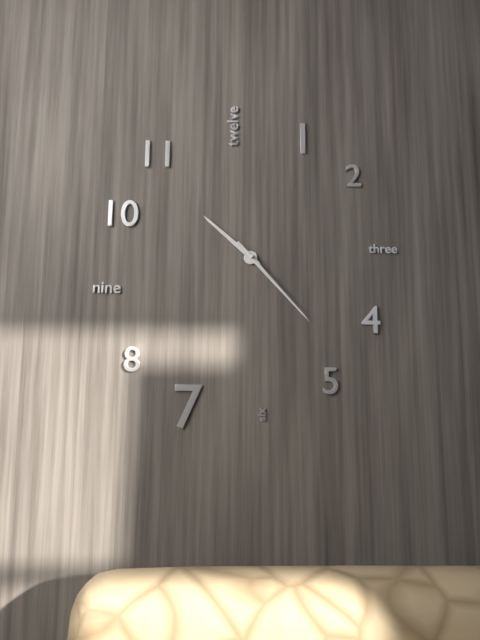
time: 10:23
